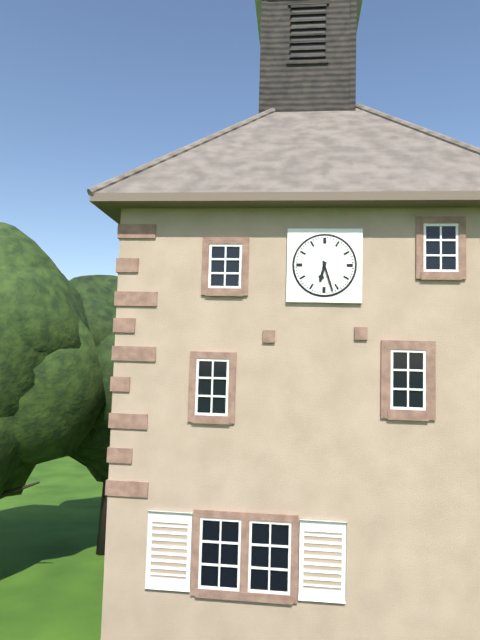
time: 6:27
